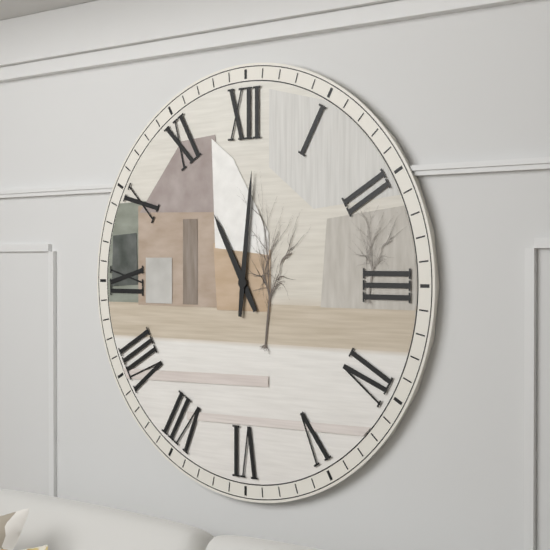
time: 11:01
